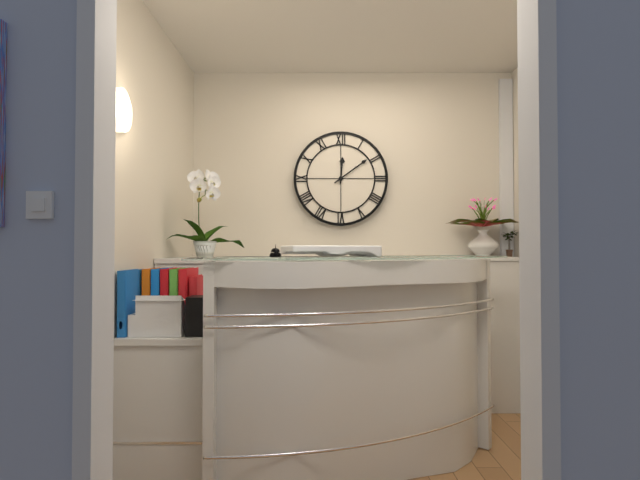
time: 12:09
